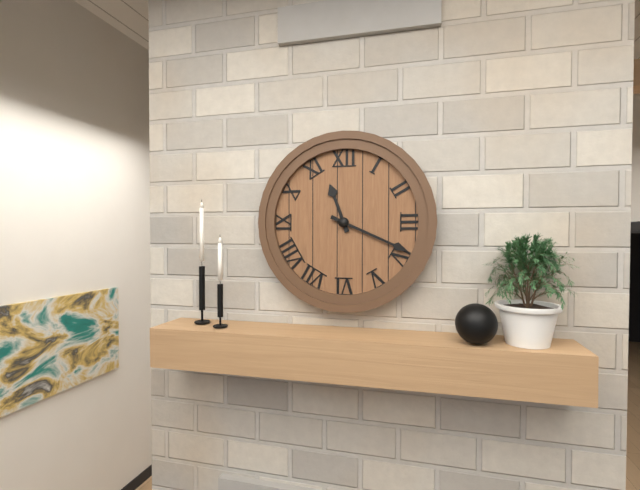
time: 11:19
